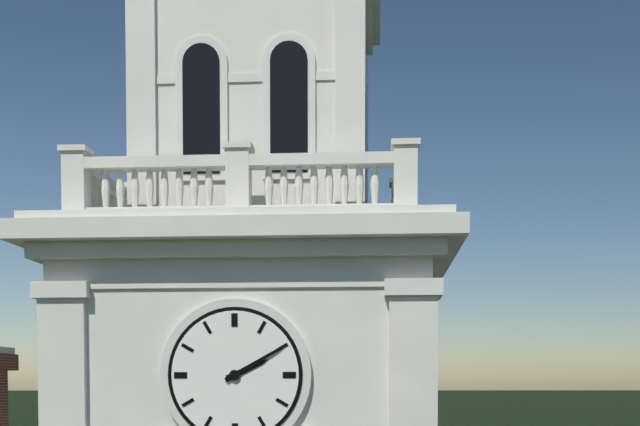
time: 2:10
